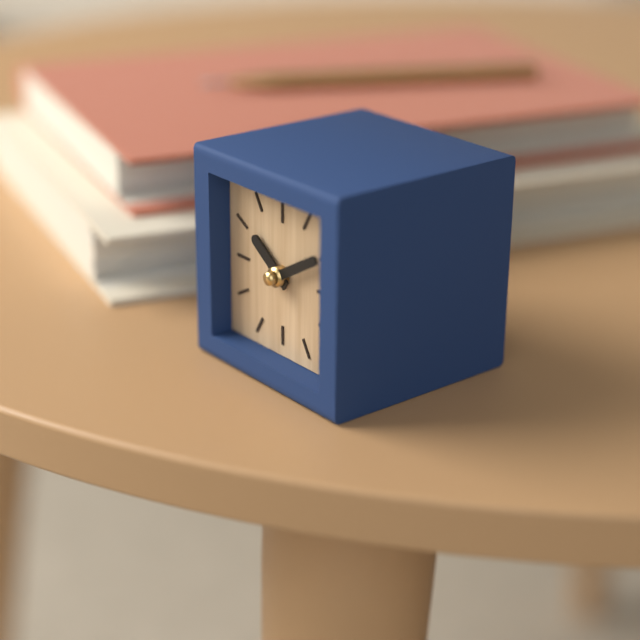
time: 10:10
